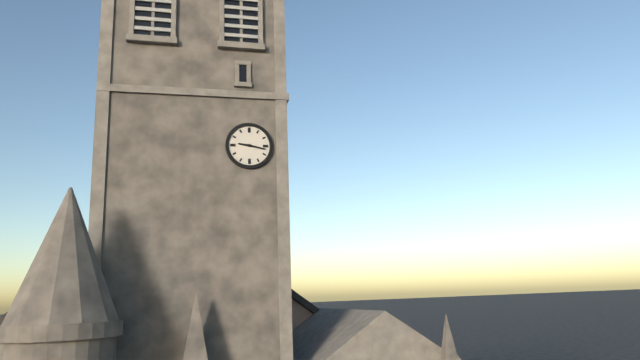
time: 9:17
